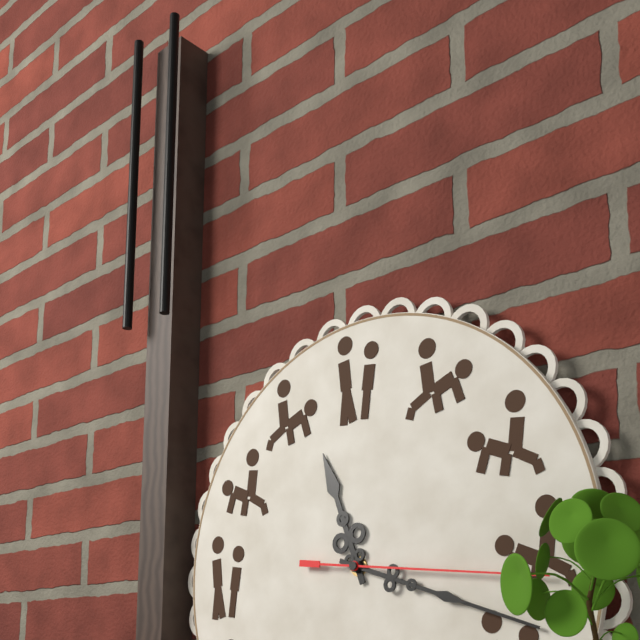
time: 11:18:16
